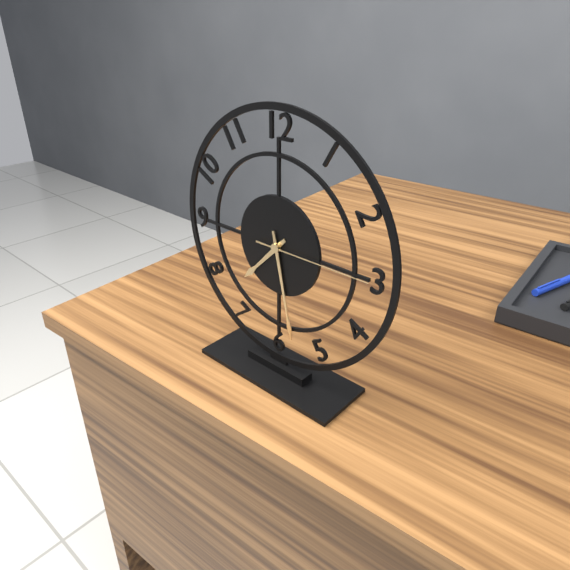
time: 7:28:15
